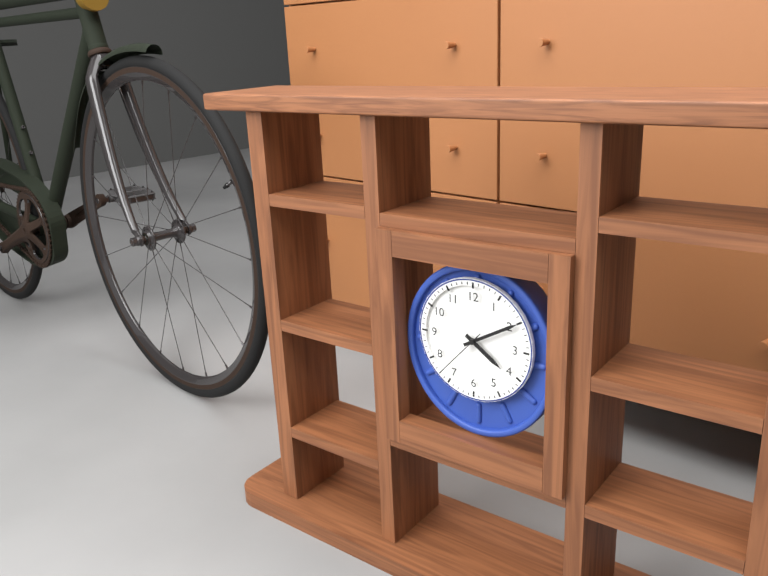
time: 4:10:37
